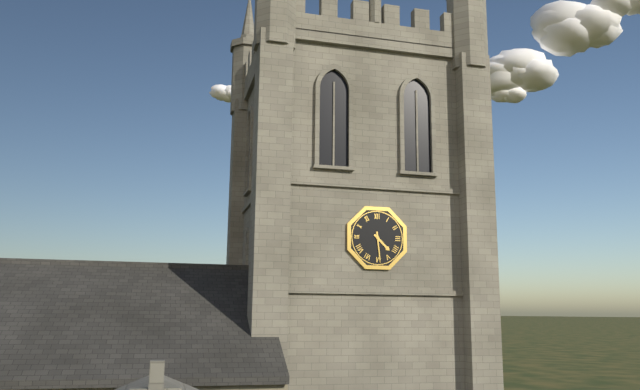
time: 4:29
